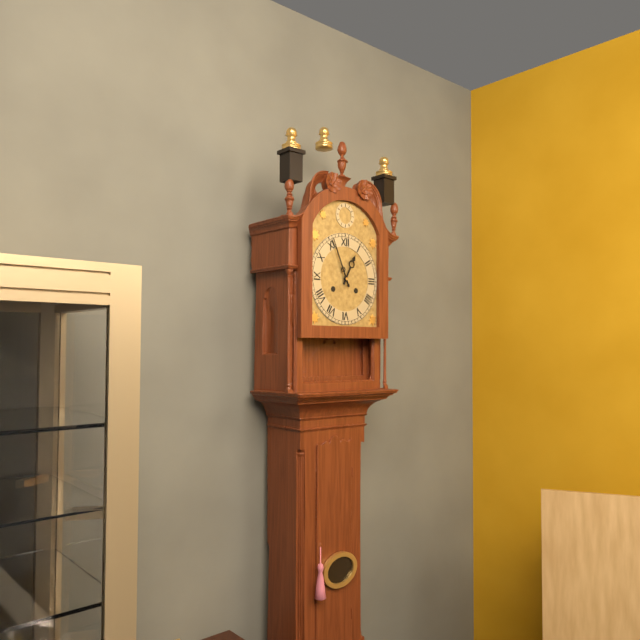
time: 12:56
